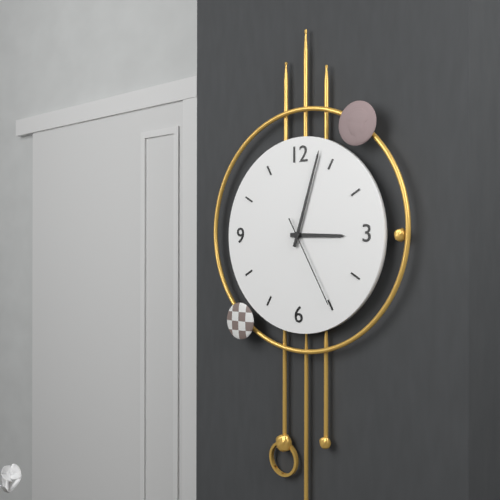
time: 3:03:25
